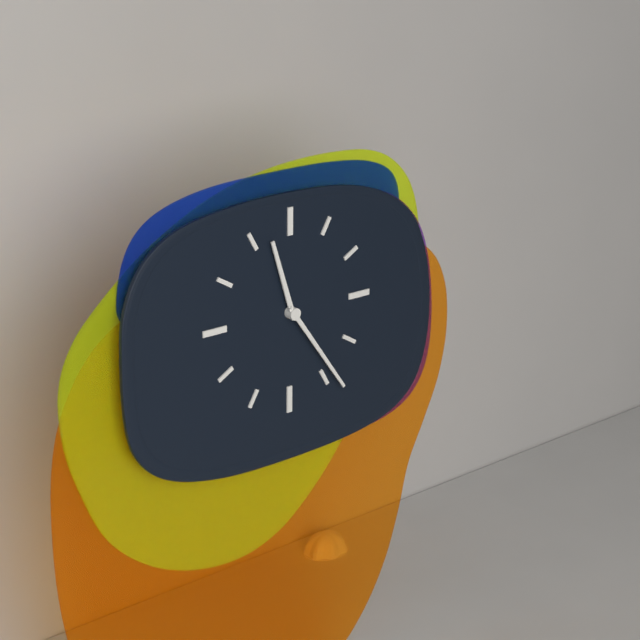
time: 11:24
